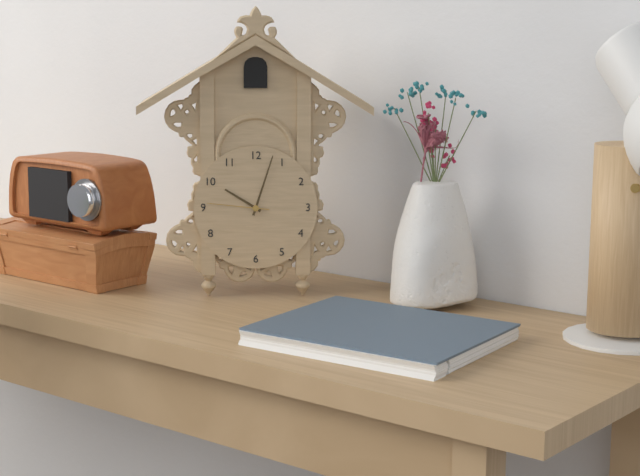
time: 10:03:46
